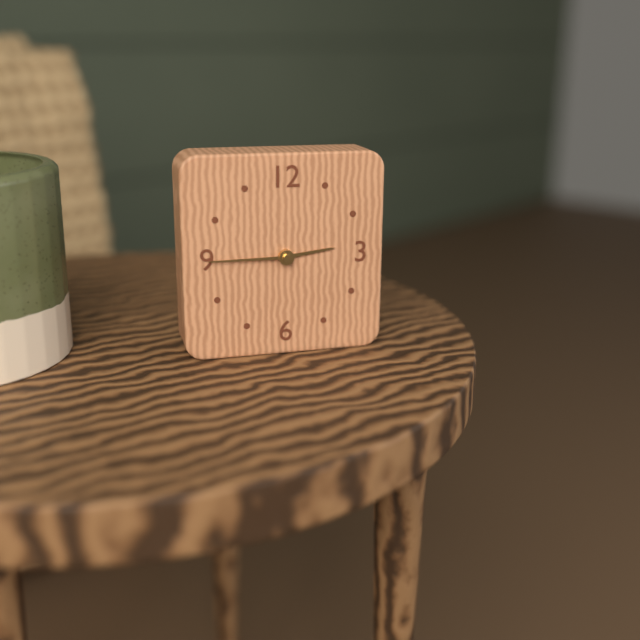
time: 2:45
